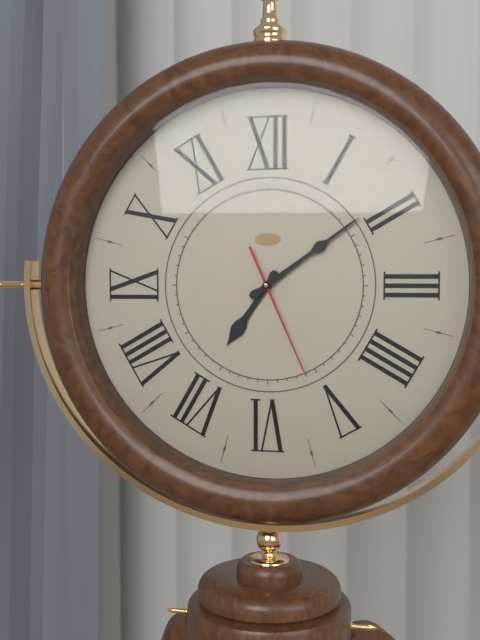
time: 7:09:26
